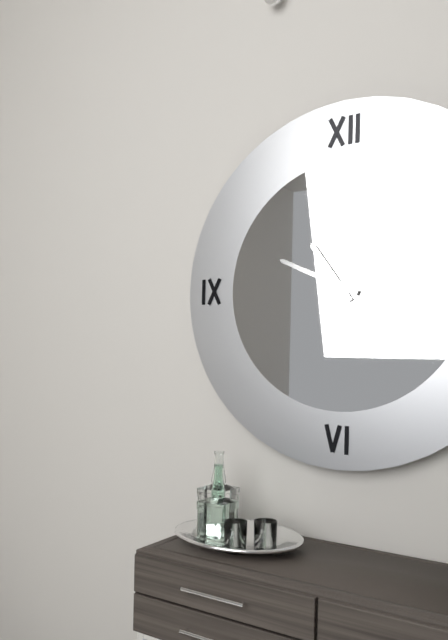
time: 10:49
